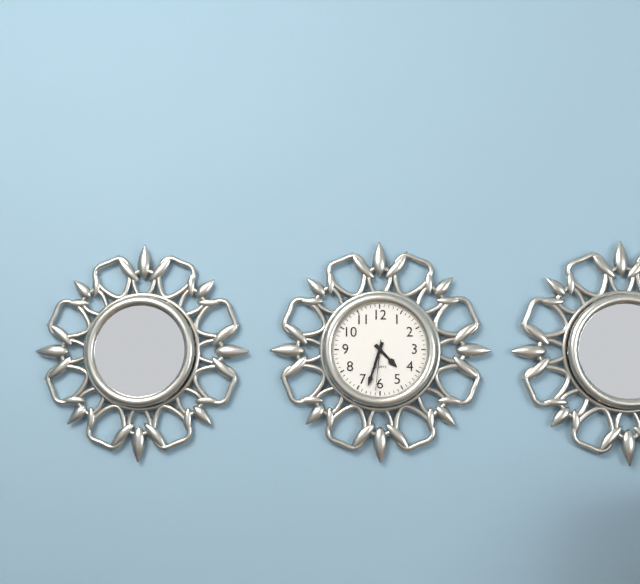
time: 4:33:31
